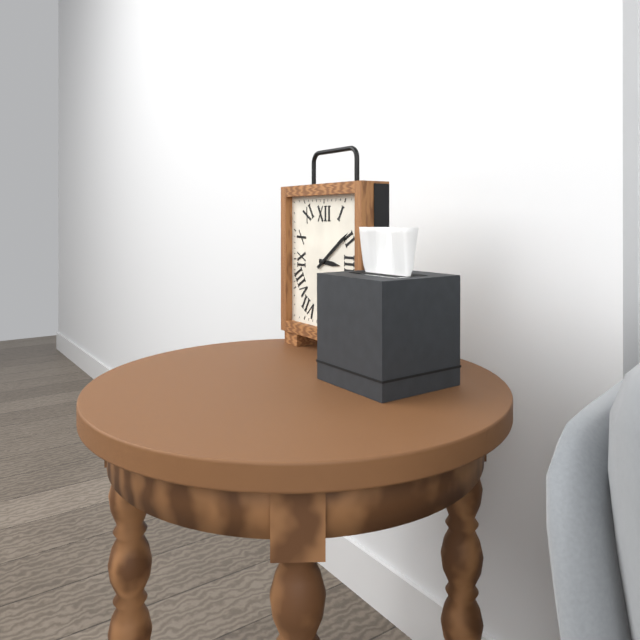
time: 3:09
